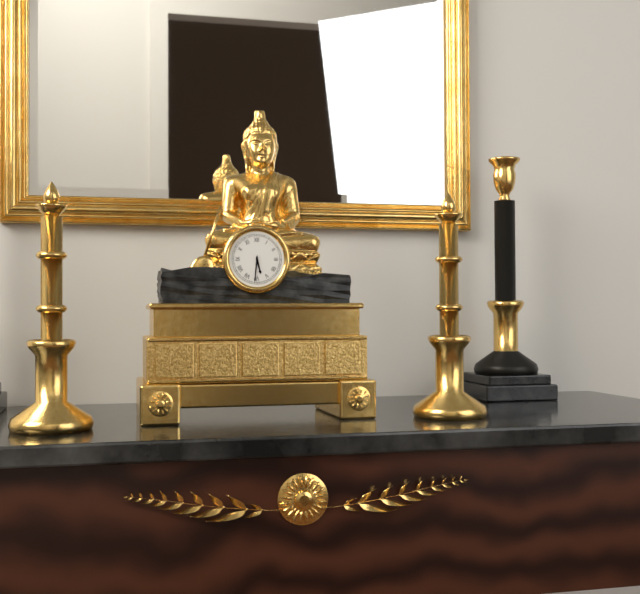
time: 5:31
